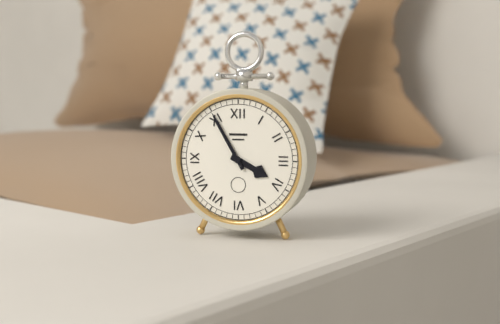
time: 3:55
